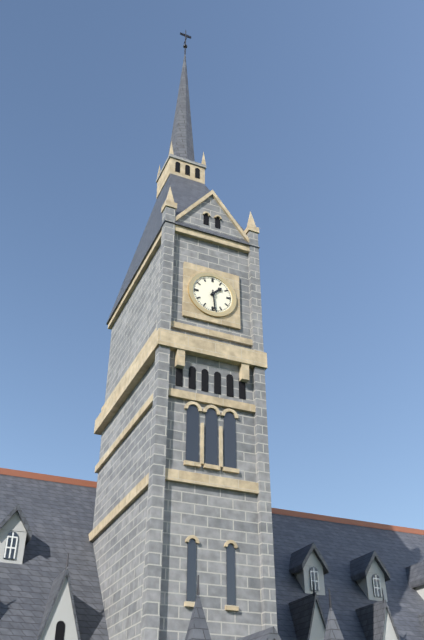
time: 1:29
